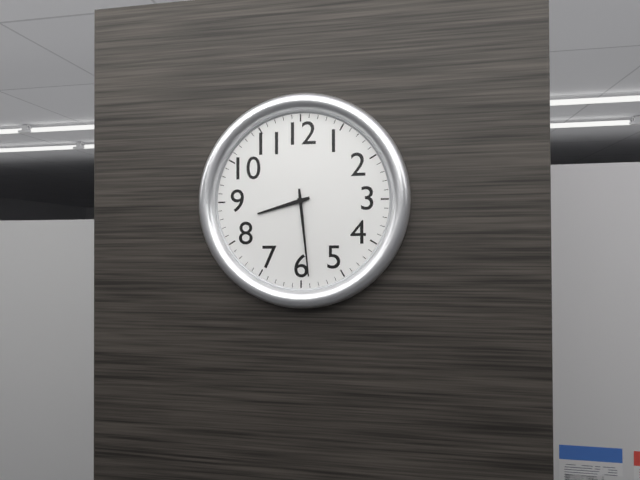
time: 8:29
